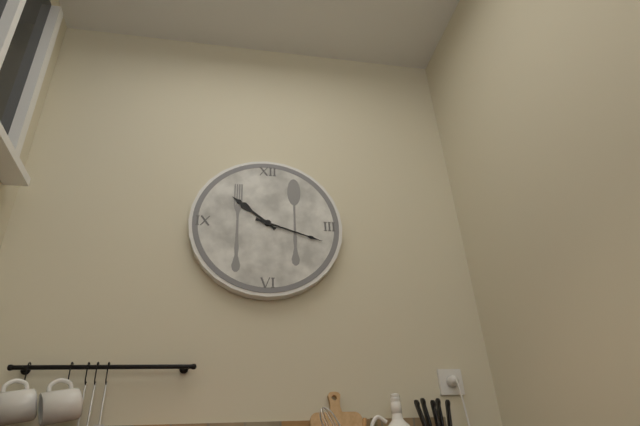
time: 10:18
